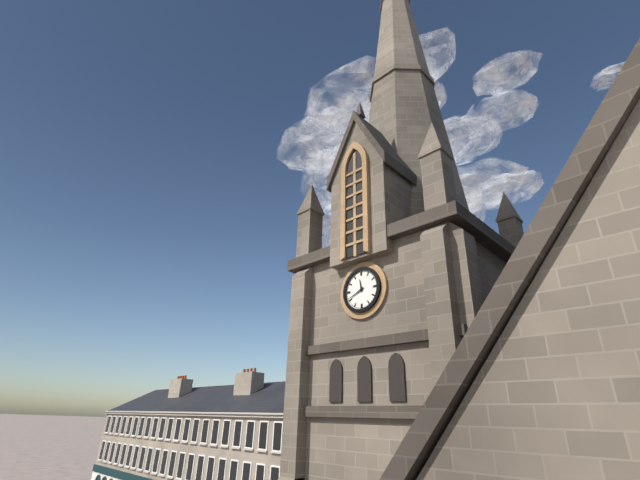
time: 11:41
